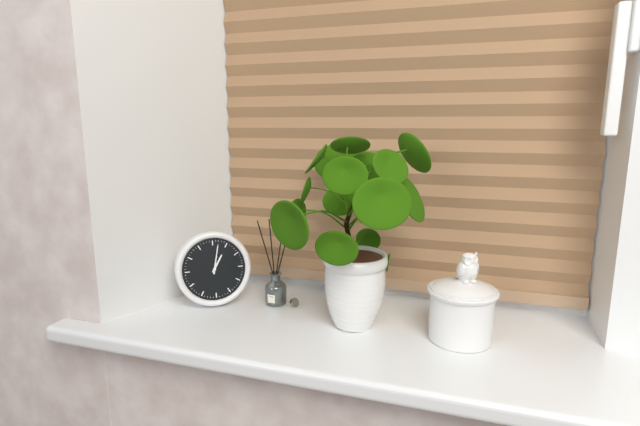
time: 1:02
